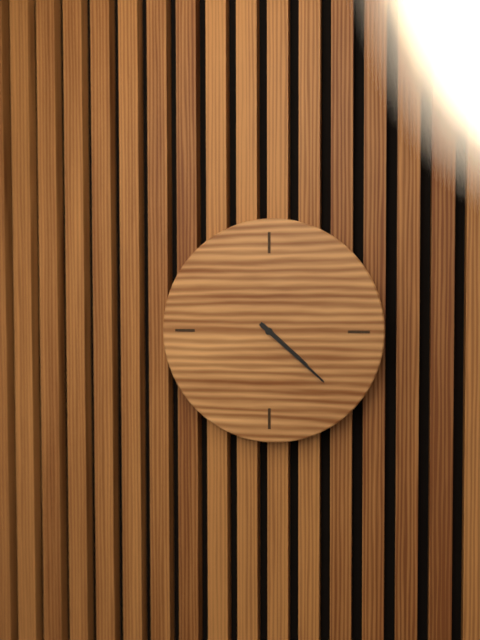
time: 4:22
